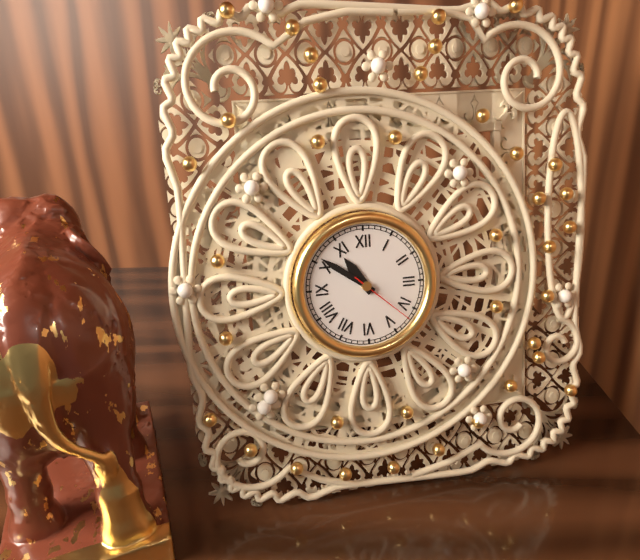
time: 10:51:22
